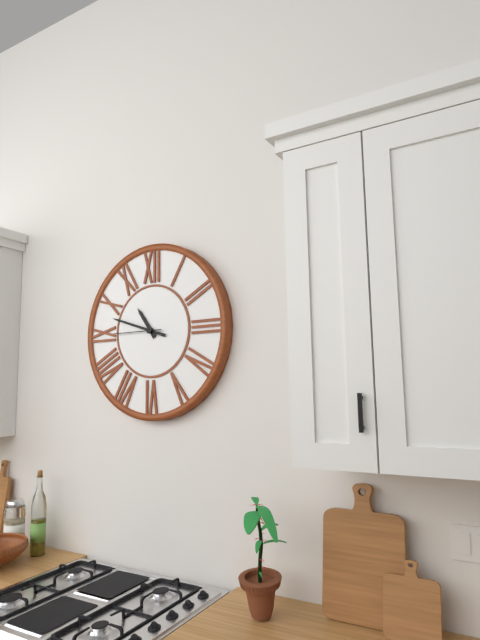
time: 10:48:45
